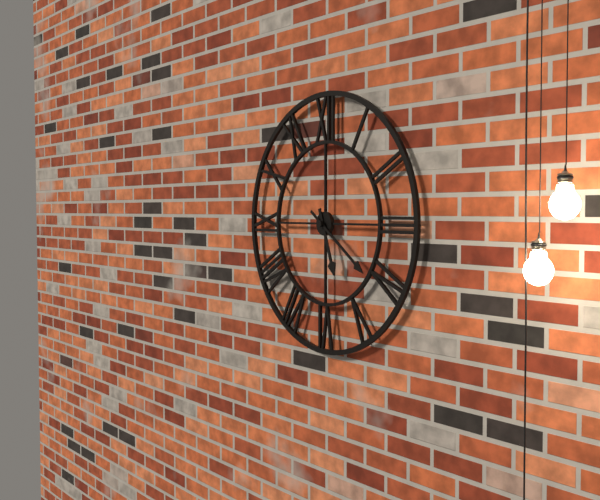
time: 5:21
